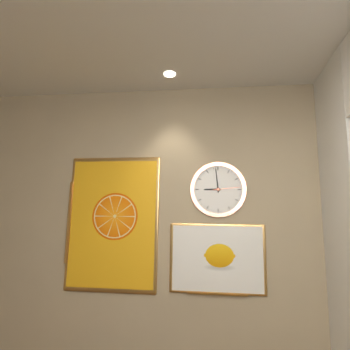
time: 8:59
